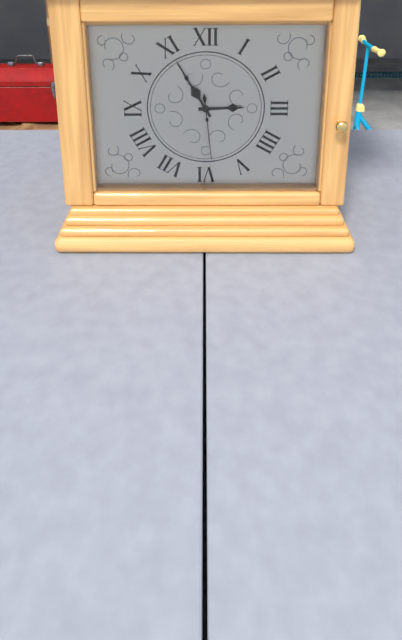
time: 2:55:29
